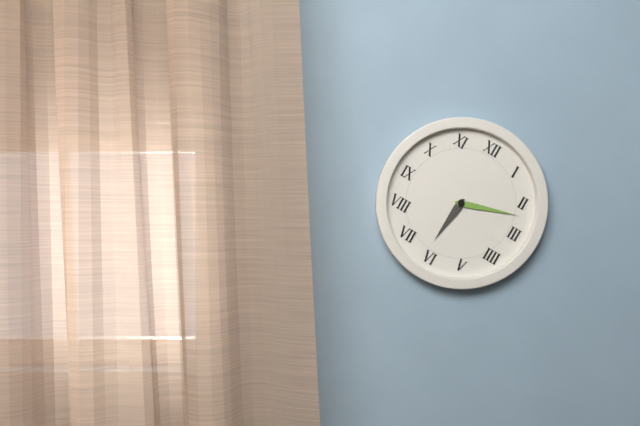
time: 6:12
